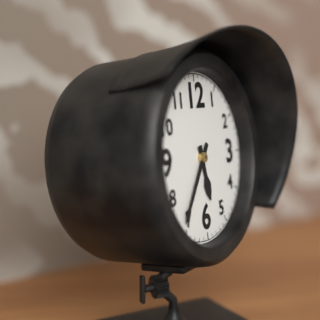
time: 5:36
